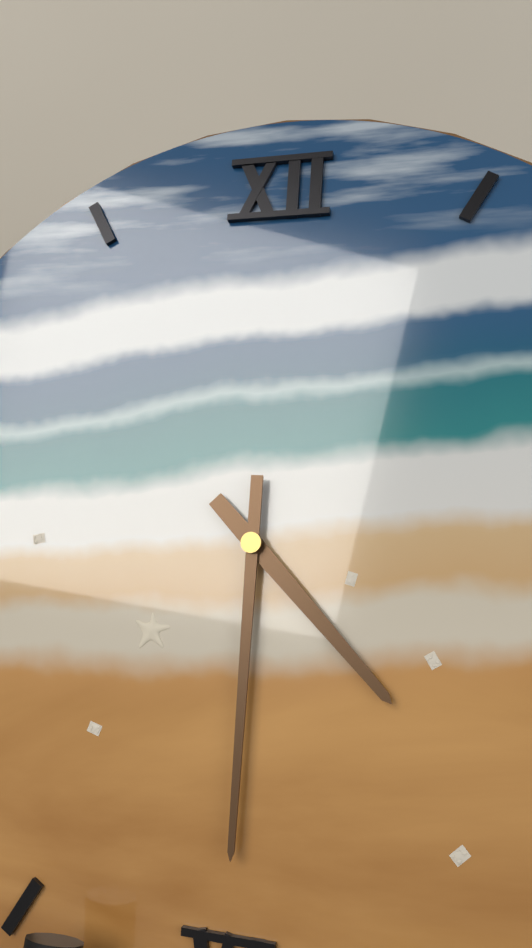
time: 4:30
